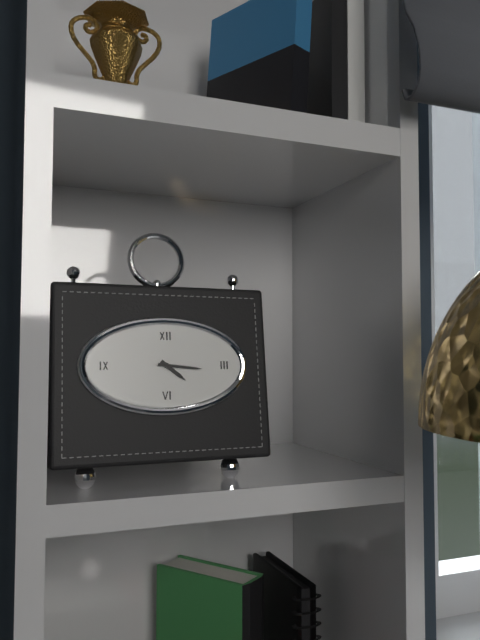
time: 4:16
